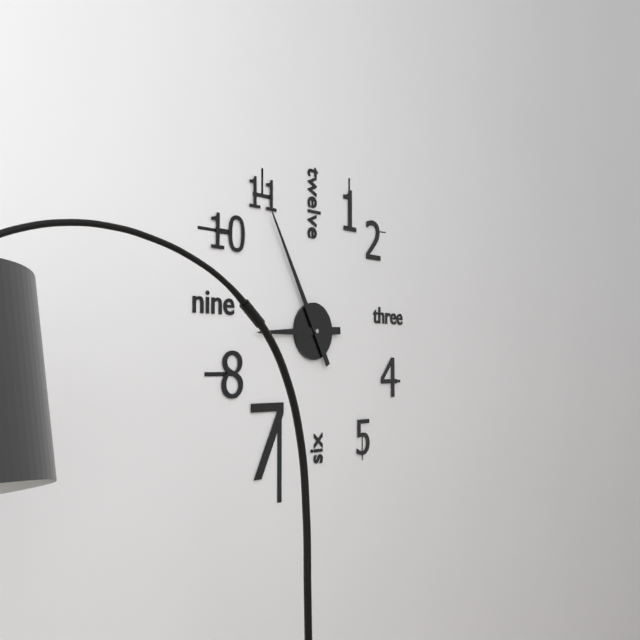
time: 8:55
